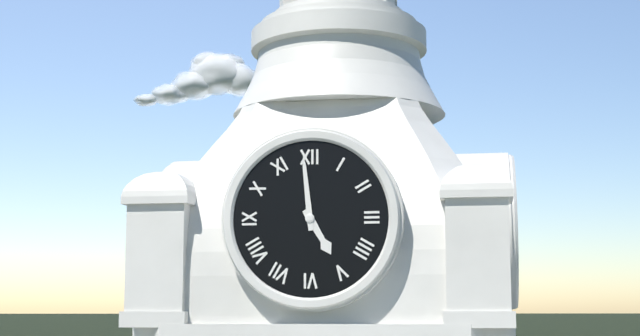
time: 4:59
